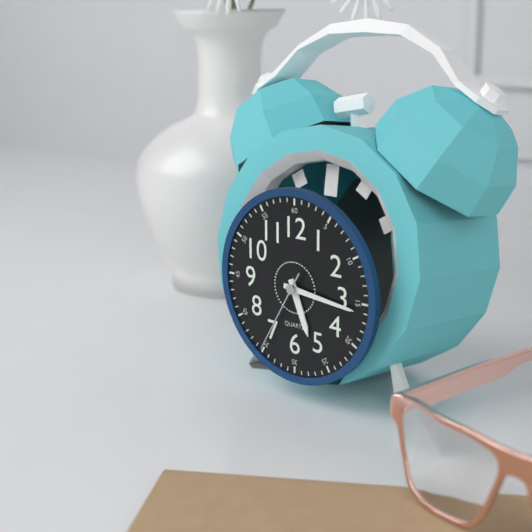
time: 5:16:35
